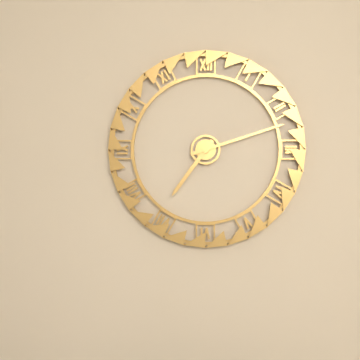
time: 7:12
